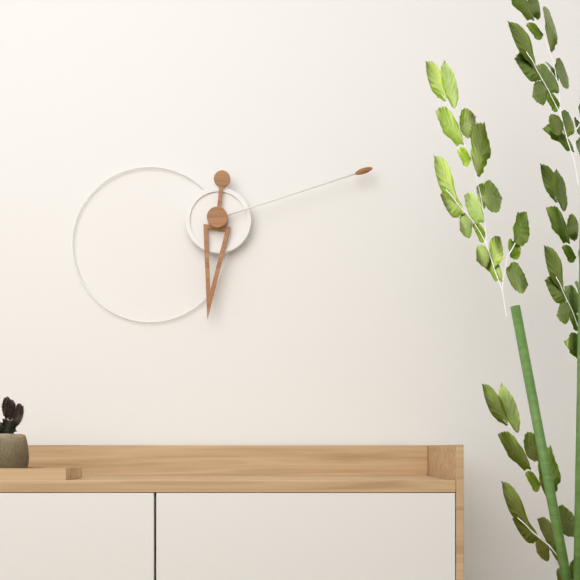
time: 6:12
